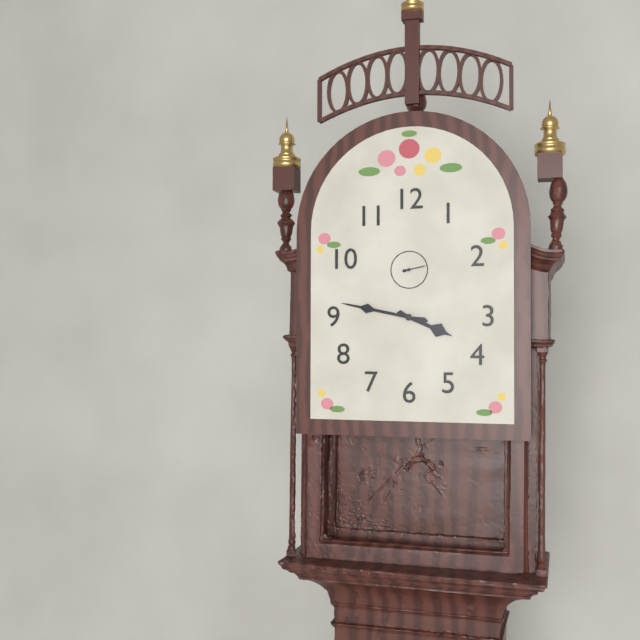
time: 3:47
